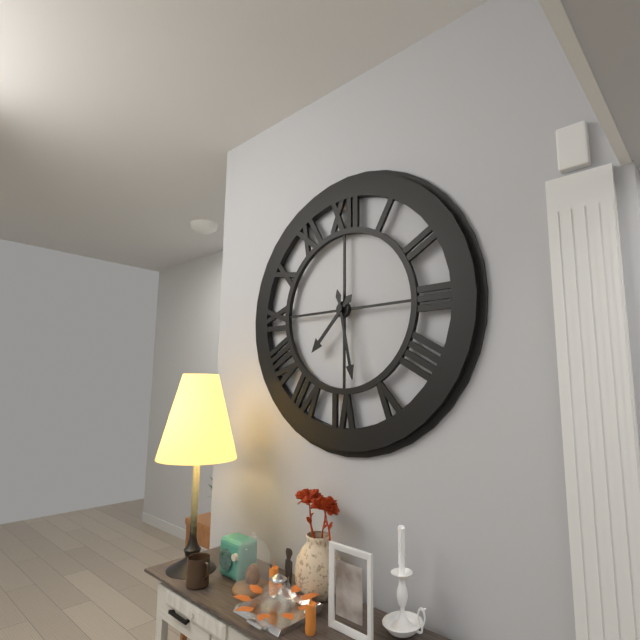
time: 7:28
